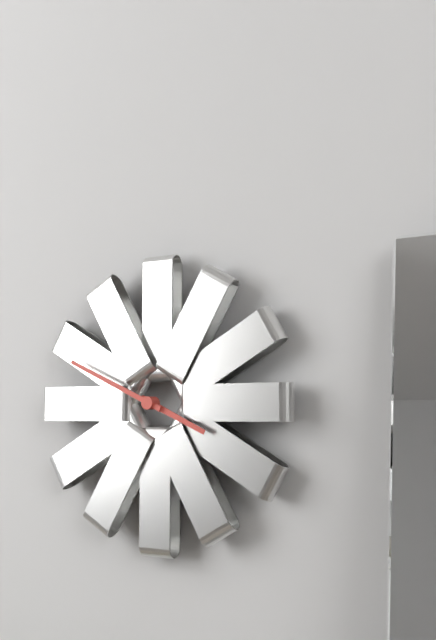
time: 3:49
